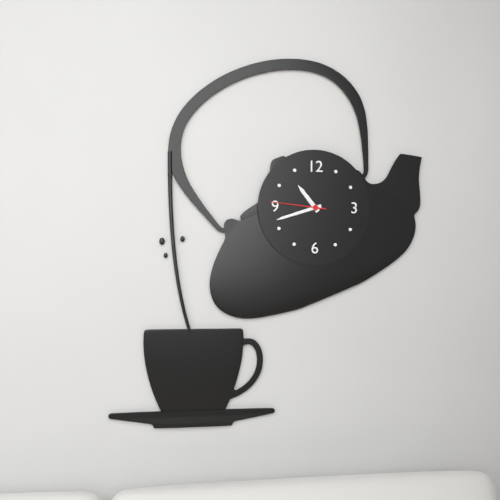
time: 10:42:46
